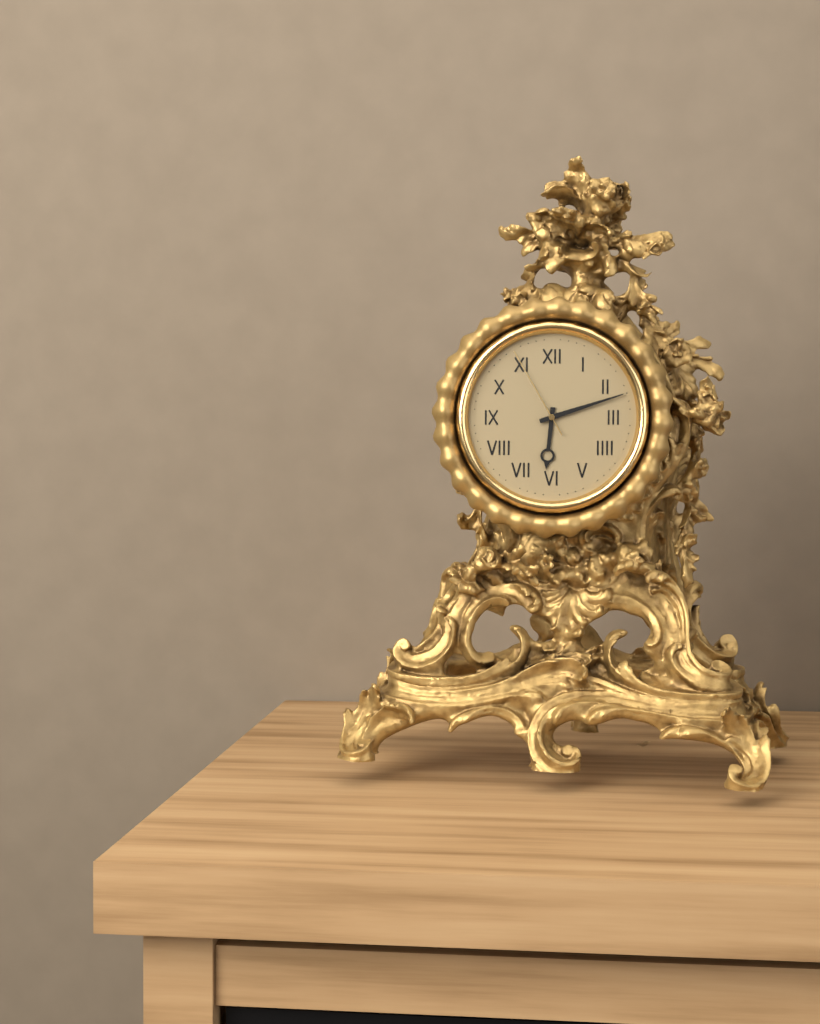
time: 6:12:55
